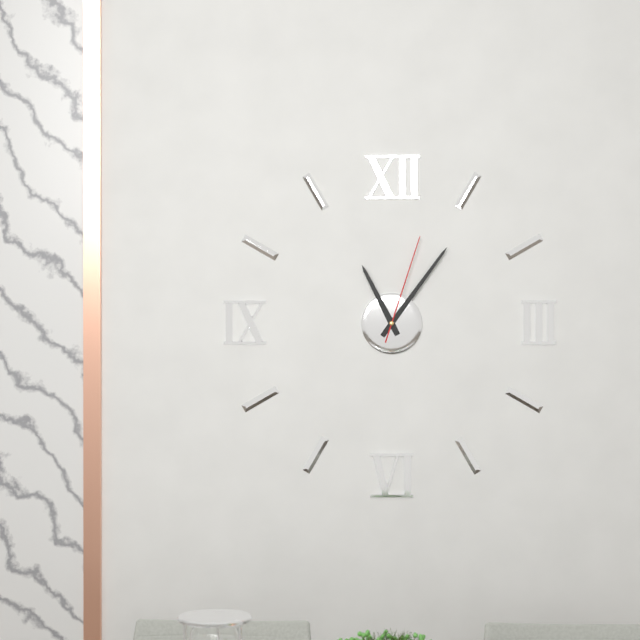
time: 11:06:03
